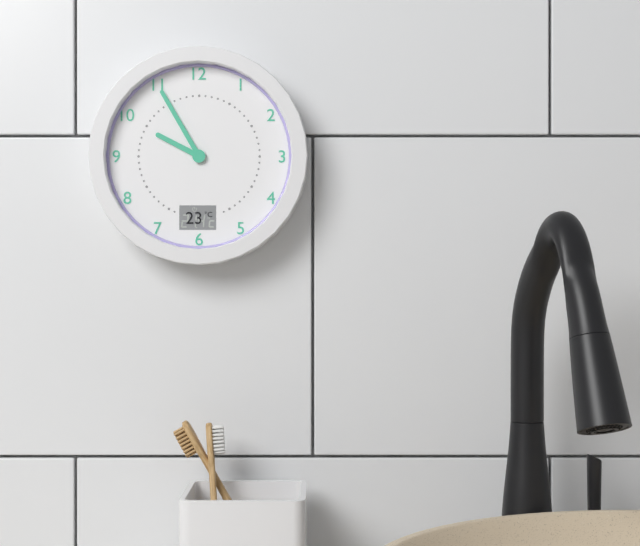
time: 9:55
